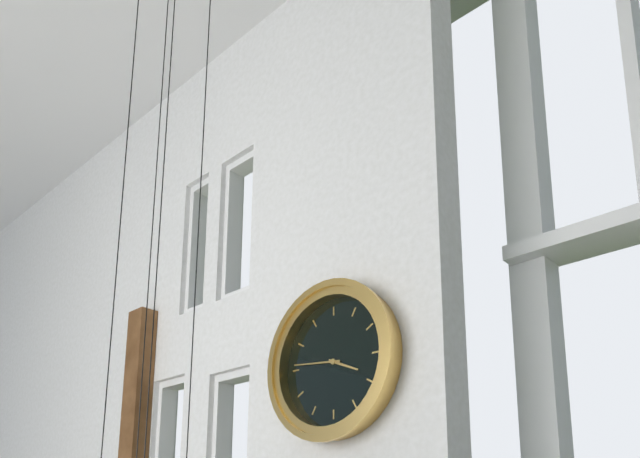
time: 3:46
